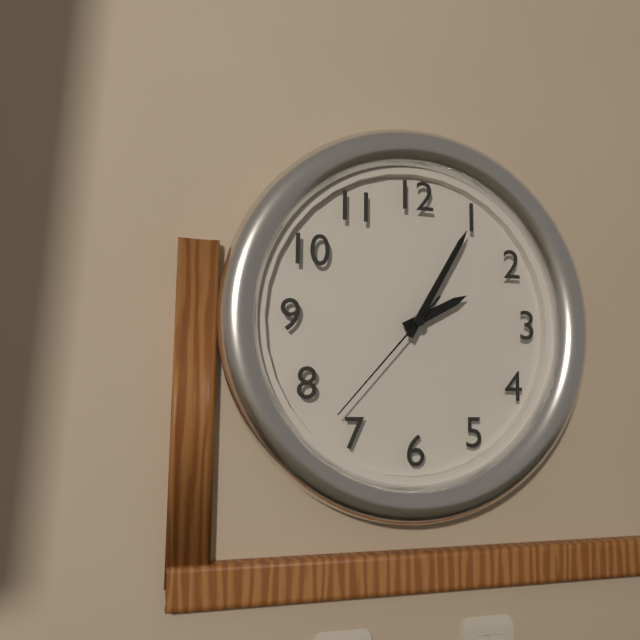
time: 2:05:37
